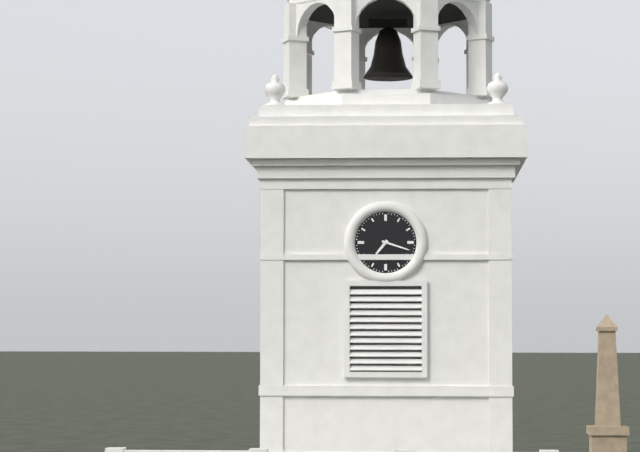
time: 7:18
